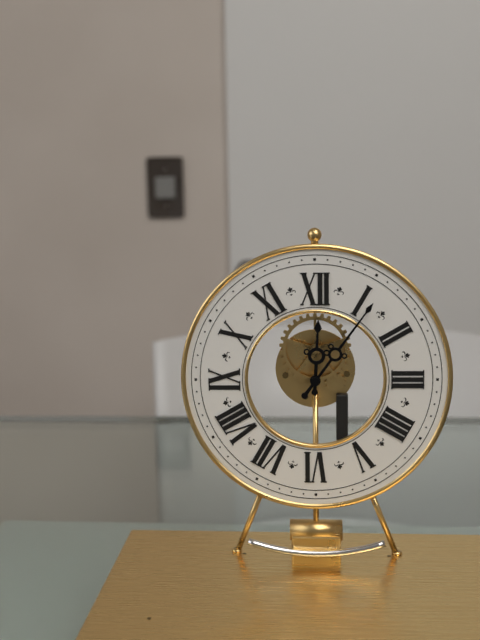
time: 12:06
